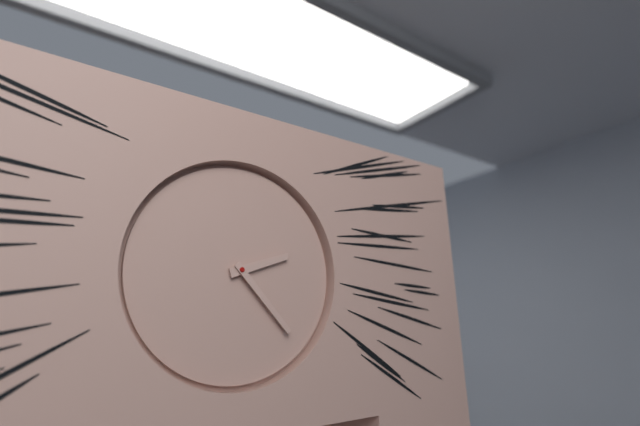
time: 2:23
